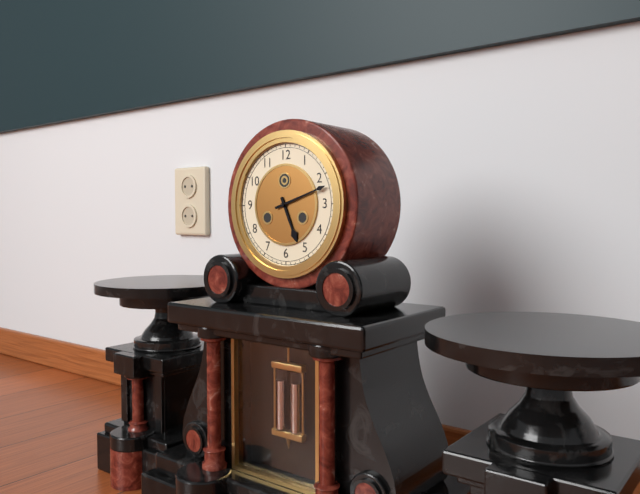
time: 5:12
